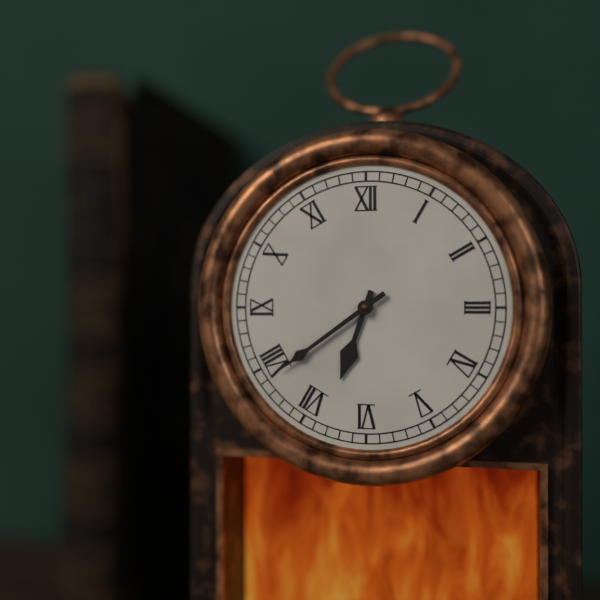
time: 6:39
